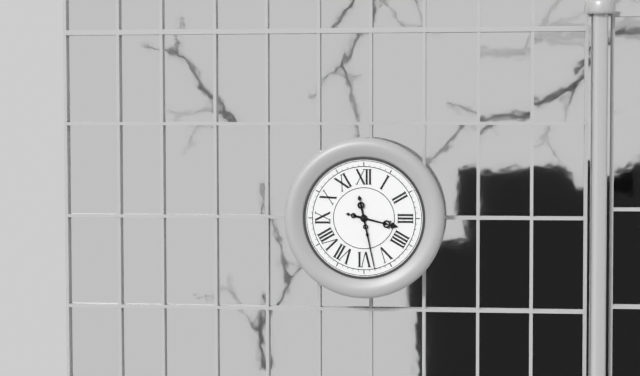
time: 3:28
